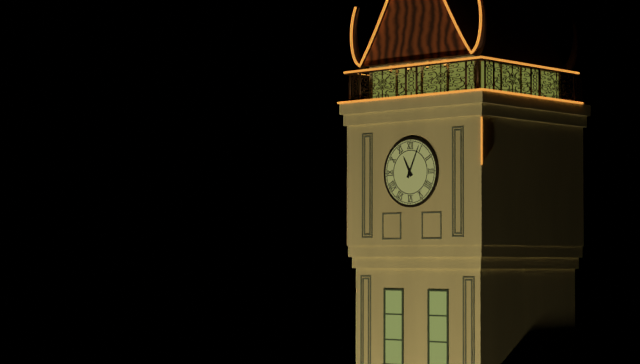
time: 11:04
